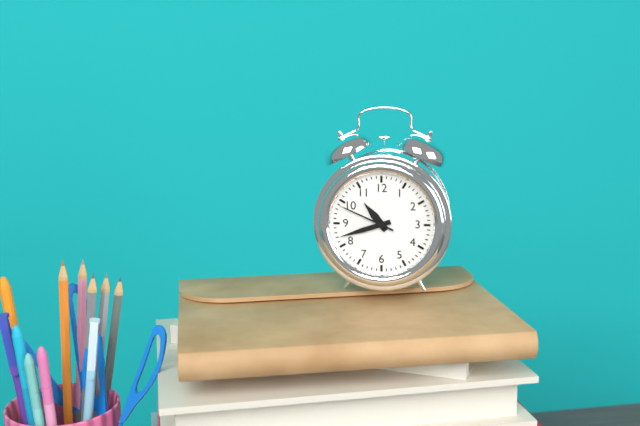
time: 10:42:49
